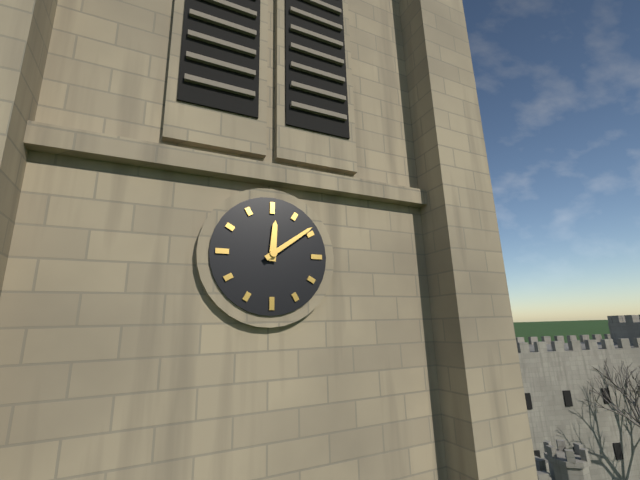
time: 12:09
